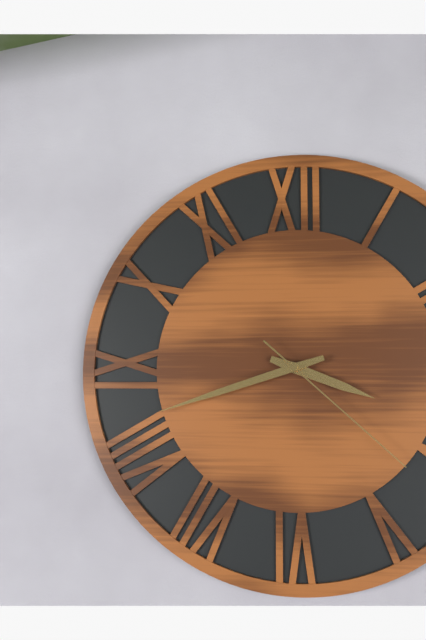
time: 3:42:22
